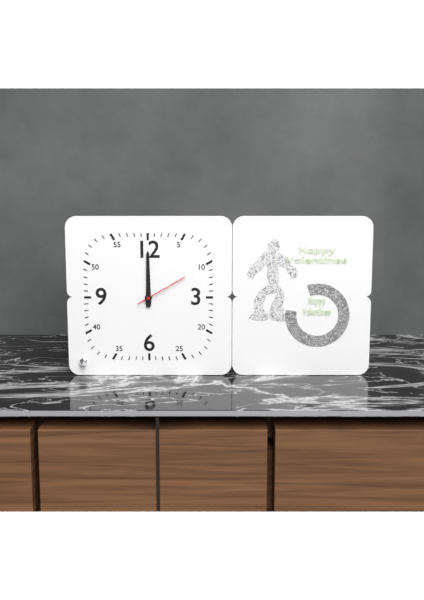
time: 12:00:10
